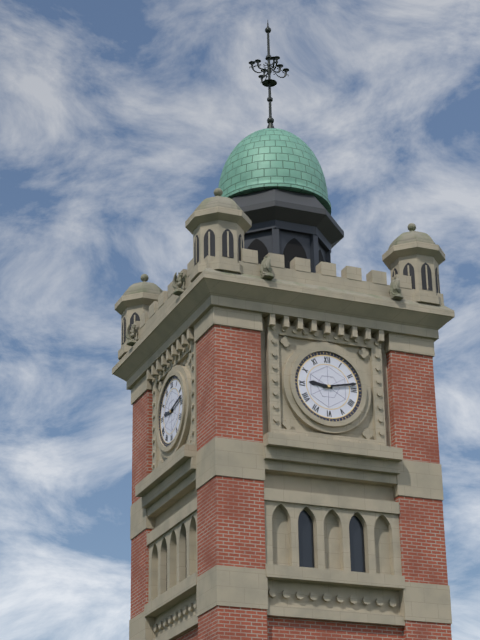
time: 9:13
